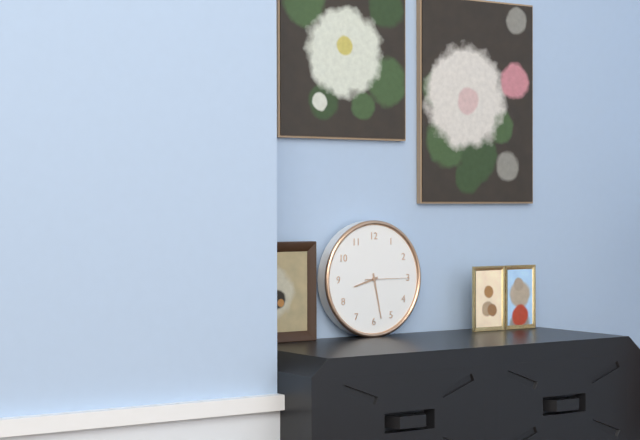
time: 8:28
